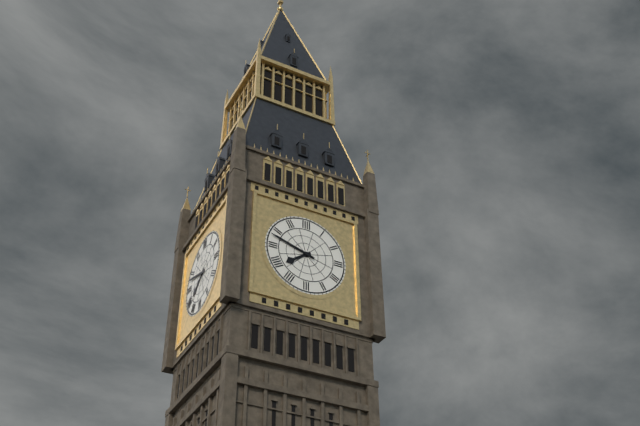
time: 7:48
